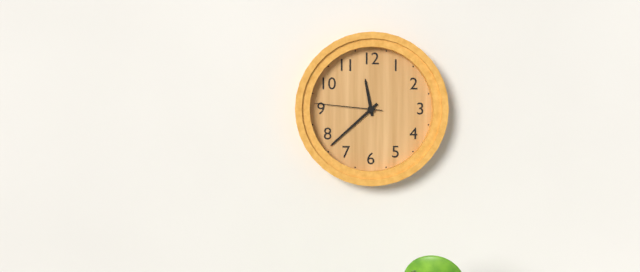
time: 11:38:46
